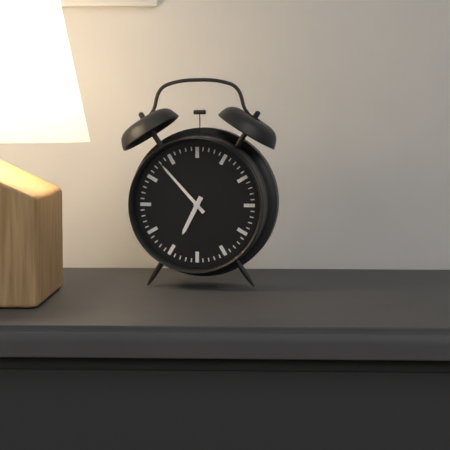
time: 6:53
